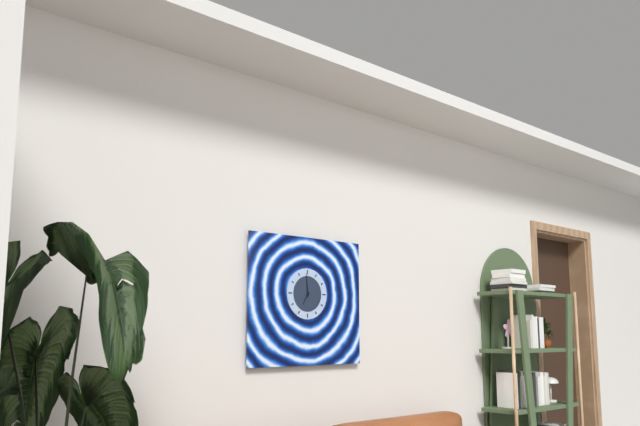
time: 6:59
